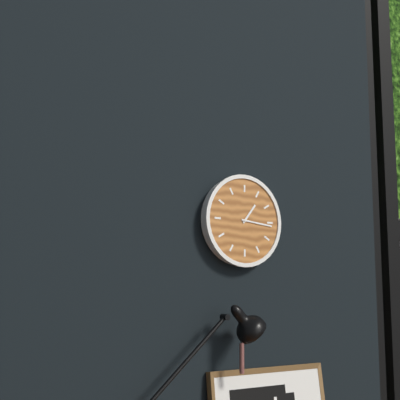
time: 1:16
